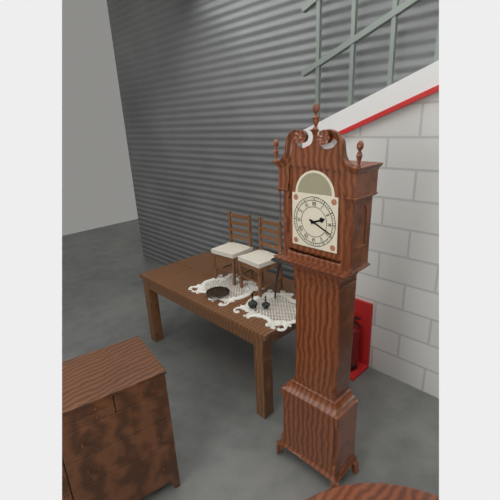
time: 2:19
